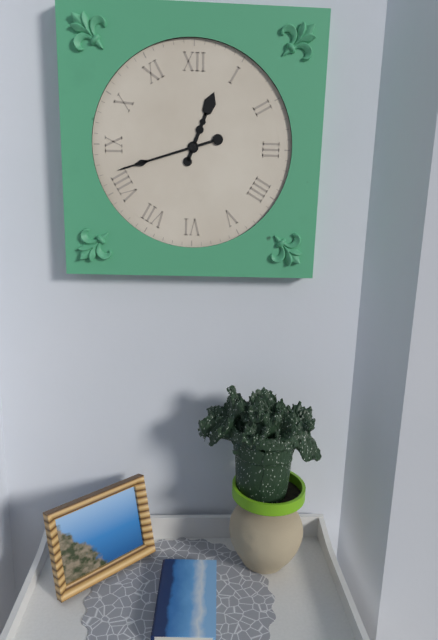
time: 12:42
